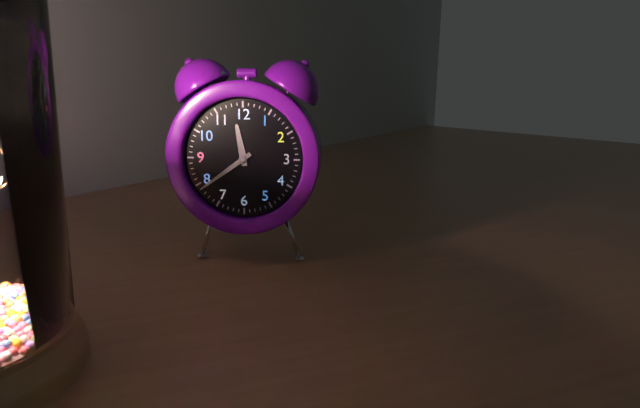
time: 11:39
